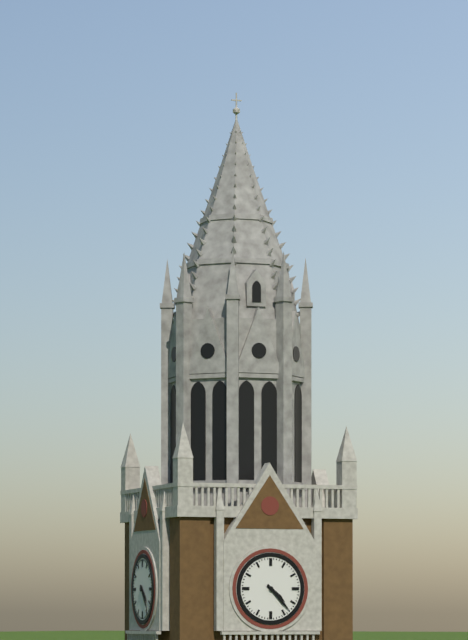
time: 4:23
